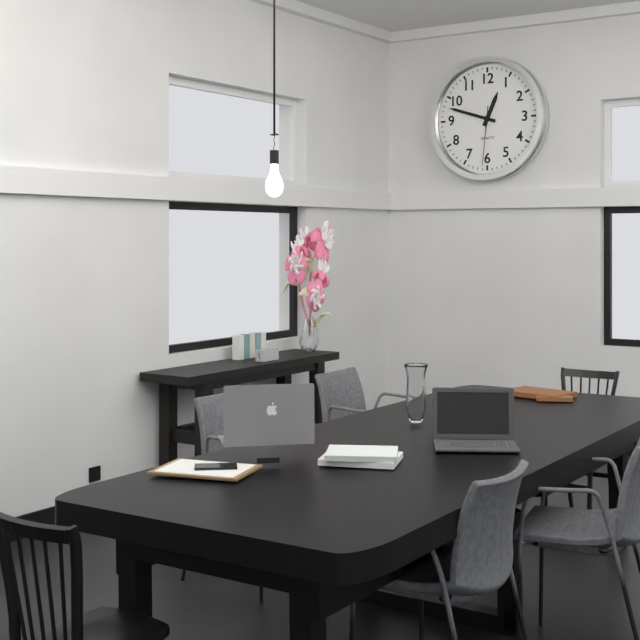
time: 12:48:31
